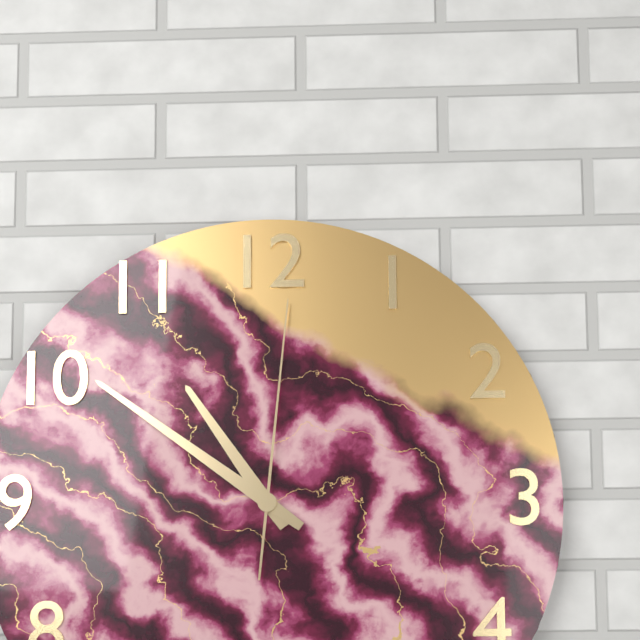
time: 10:51:01
